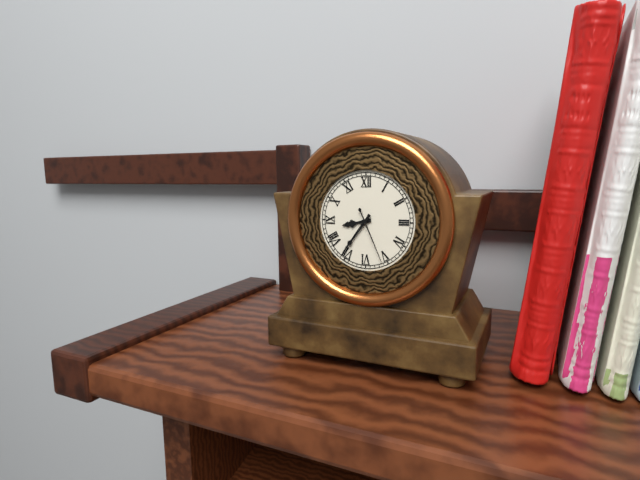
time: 8:36:26
